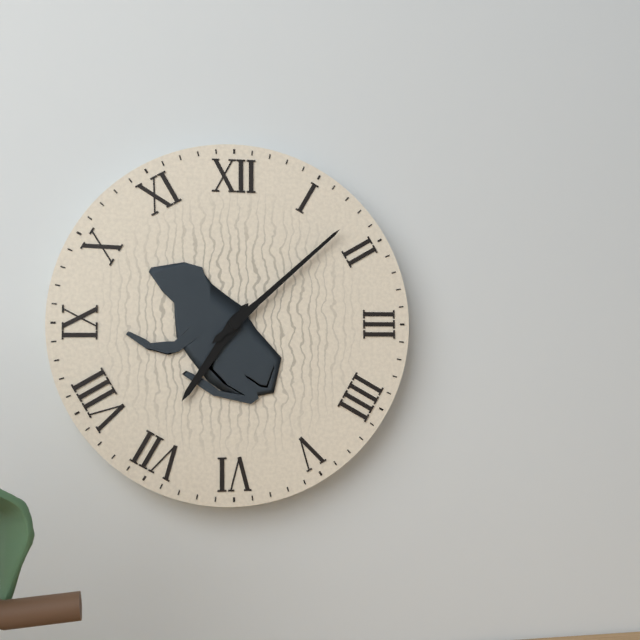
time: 7:08
